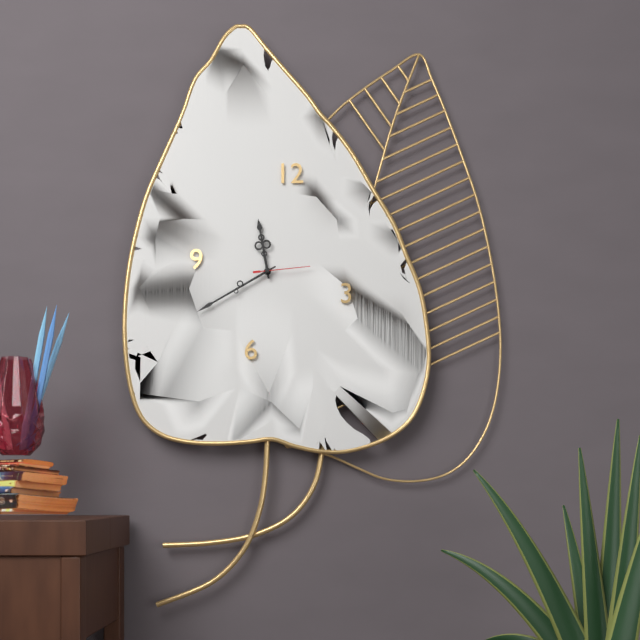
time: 11:40:14
